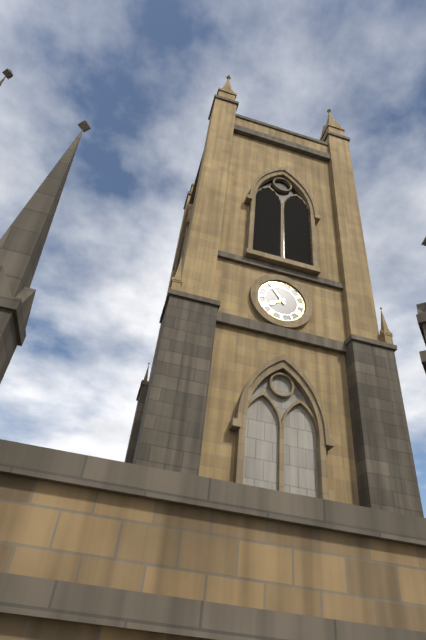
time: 7:54
